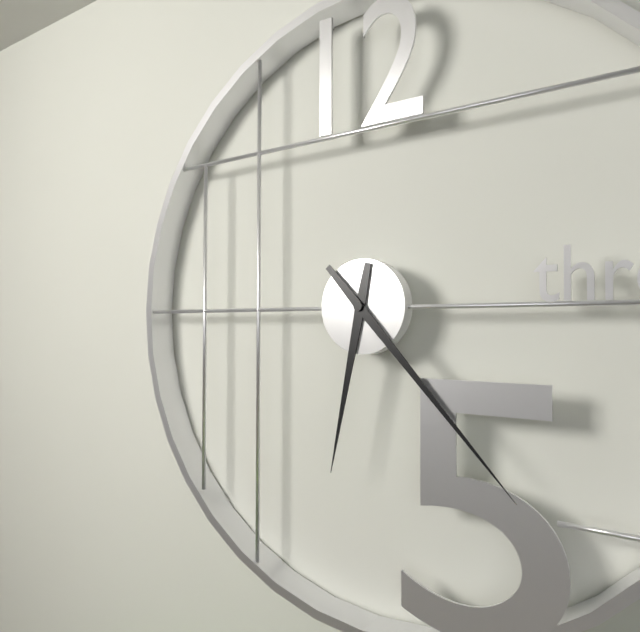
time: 6:23
